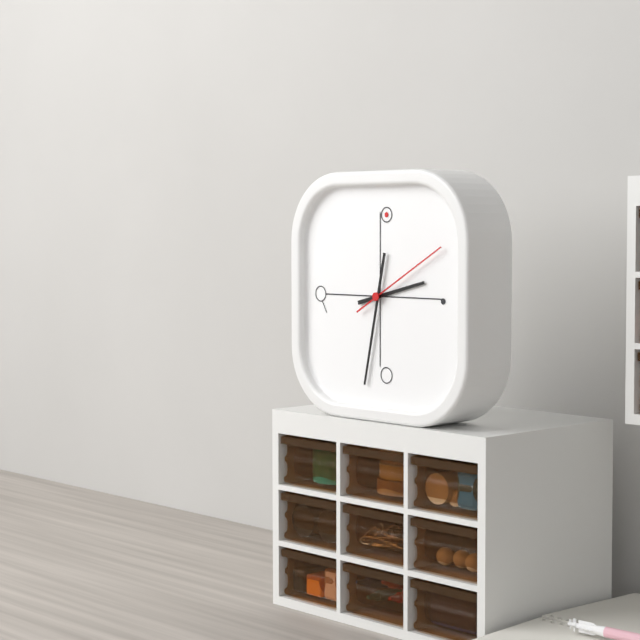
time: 2:32:10
